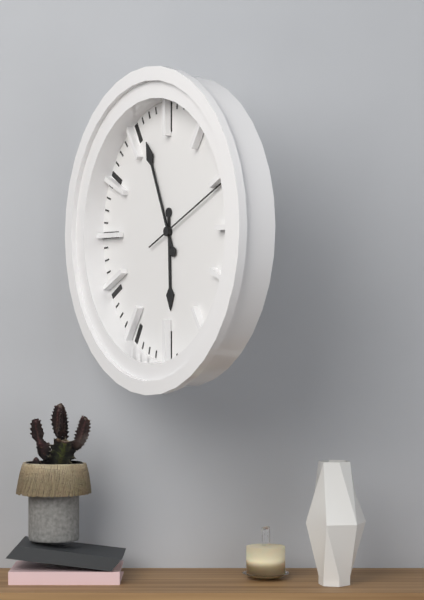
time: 5:56:11
